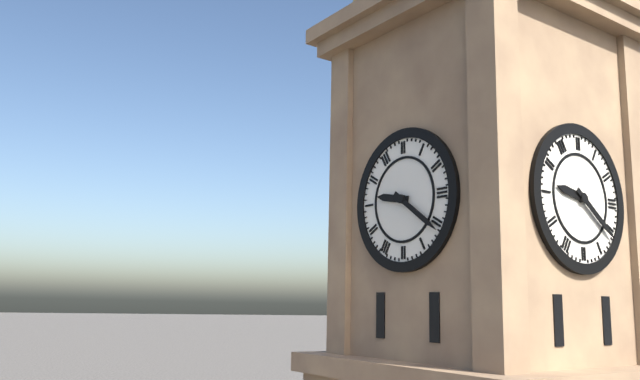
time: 9:21
